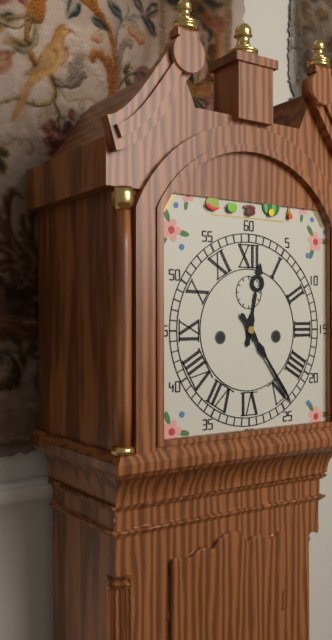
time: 12:24
